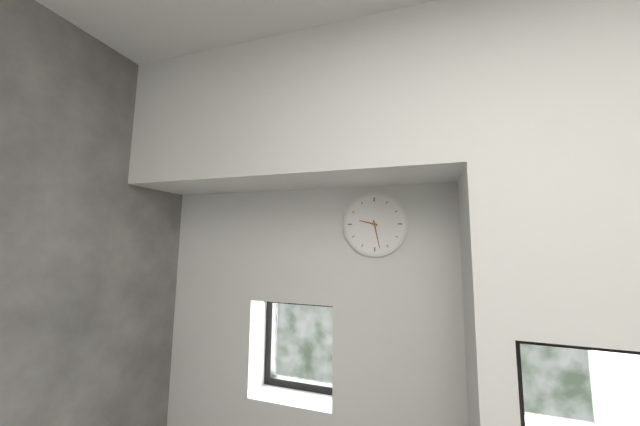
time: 9:28
